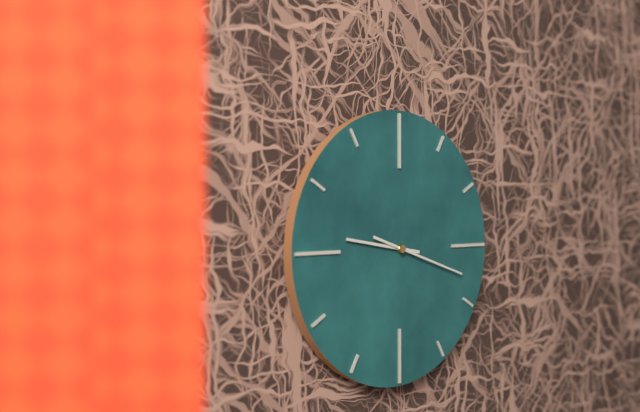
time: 9:18
